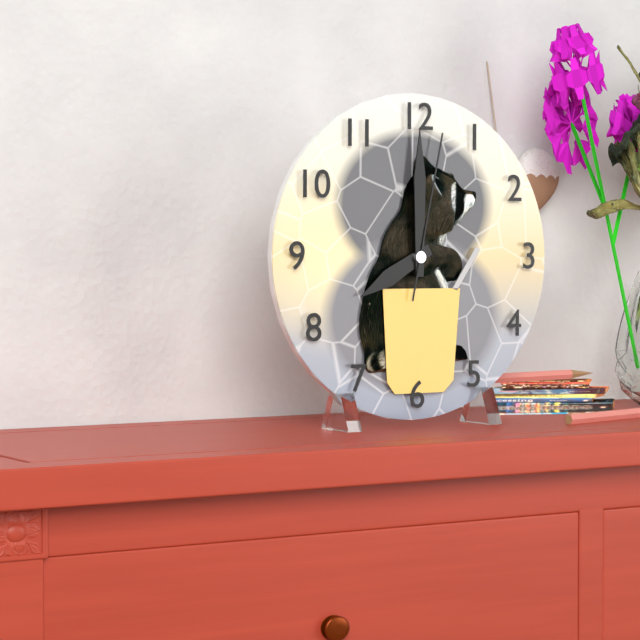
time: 8:00:02
